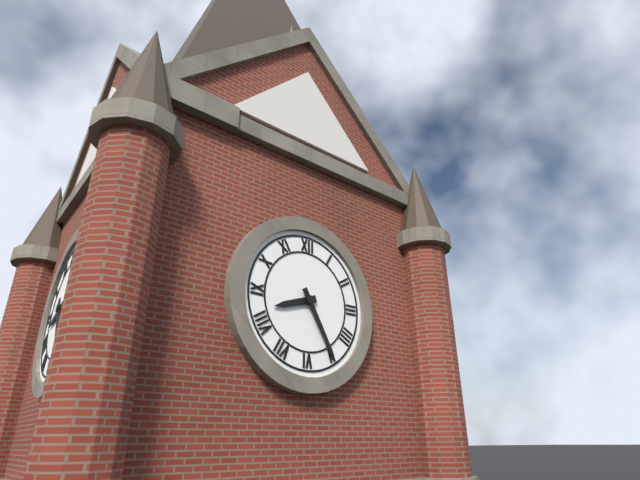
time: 8:25
